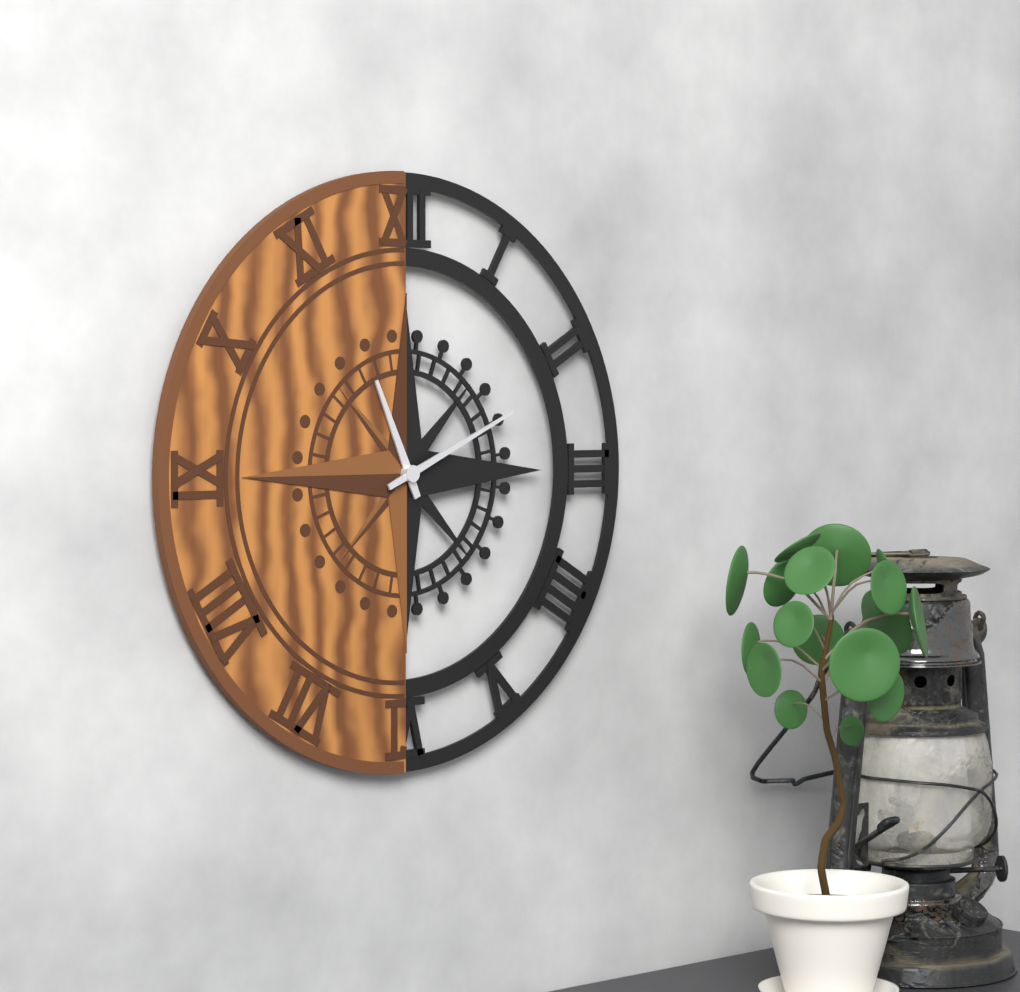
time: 11:11
